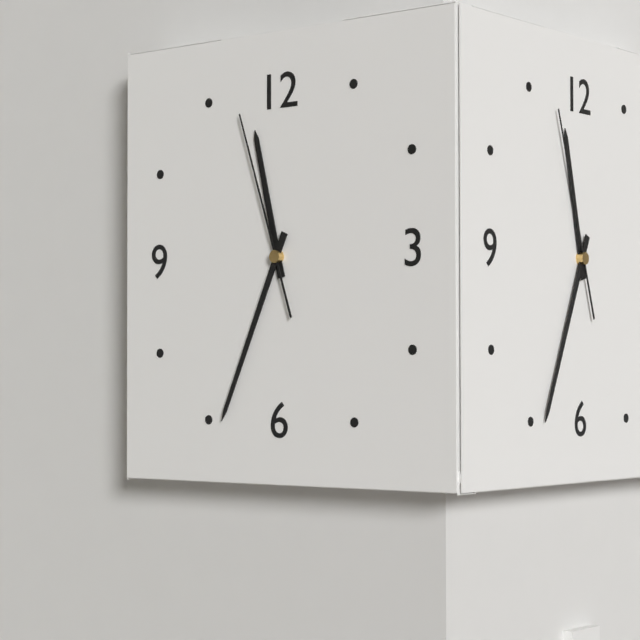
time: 11:34:57
